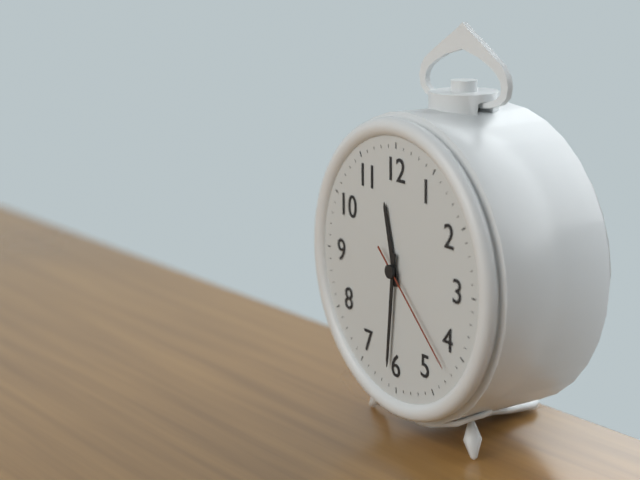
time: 11:31:22
